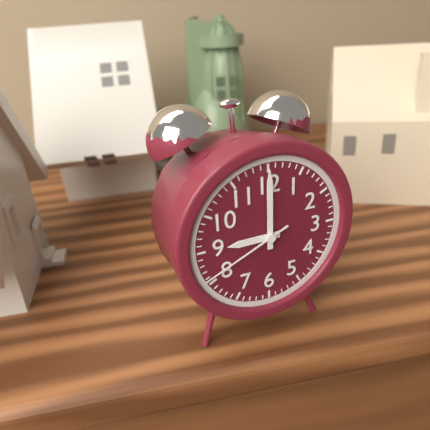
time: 9:00:41
